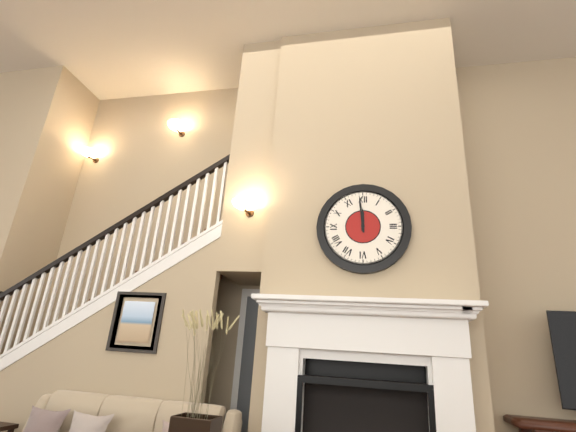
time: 11:59
